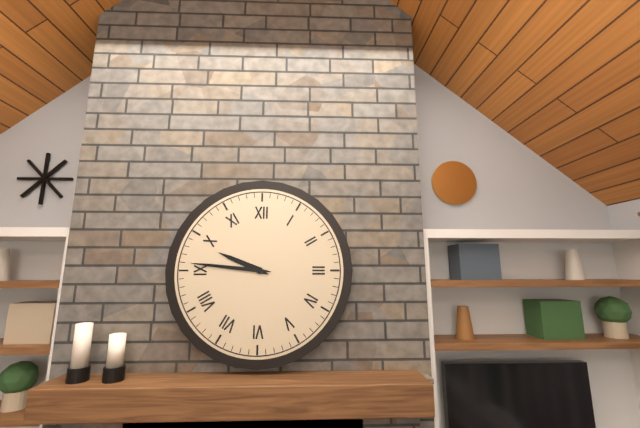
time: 9:46
